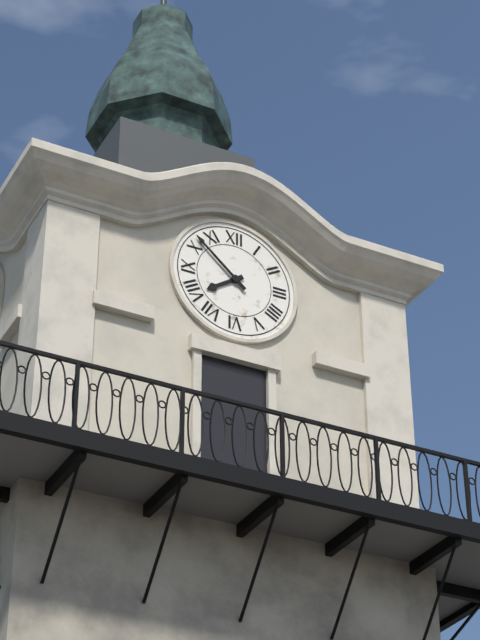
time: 7:52
